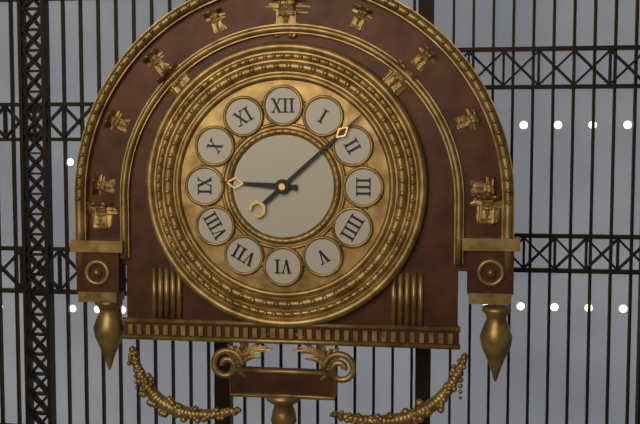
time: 9:08
